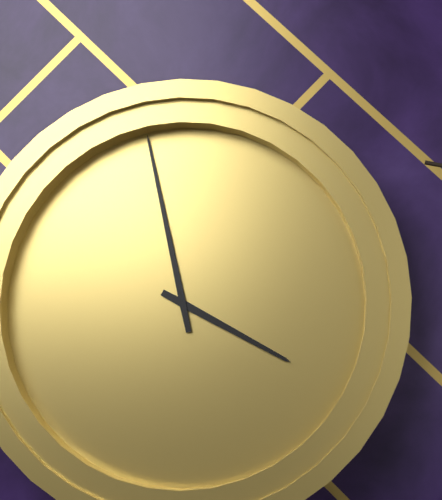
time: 3:58
